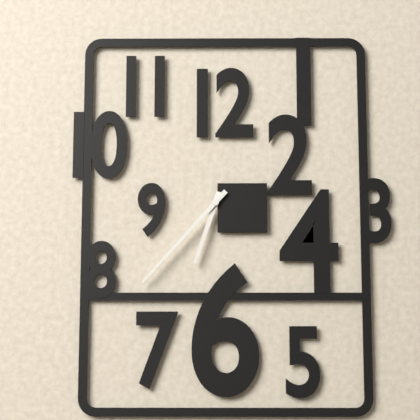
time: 6:37
